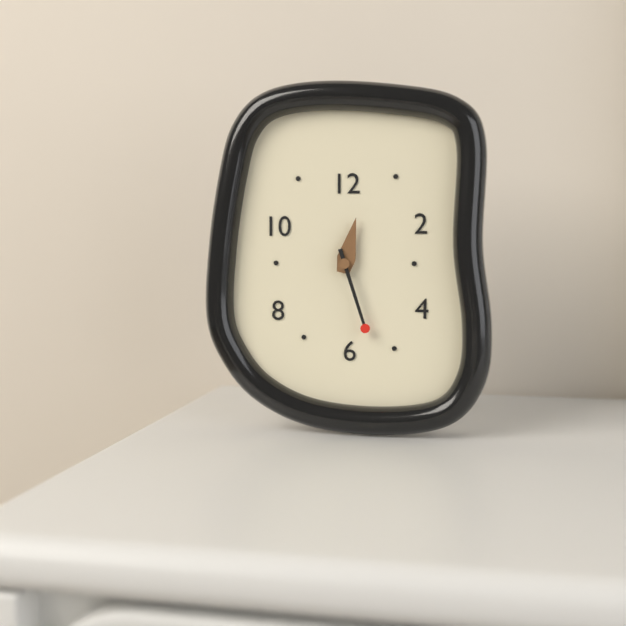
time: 12:27
